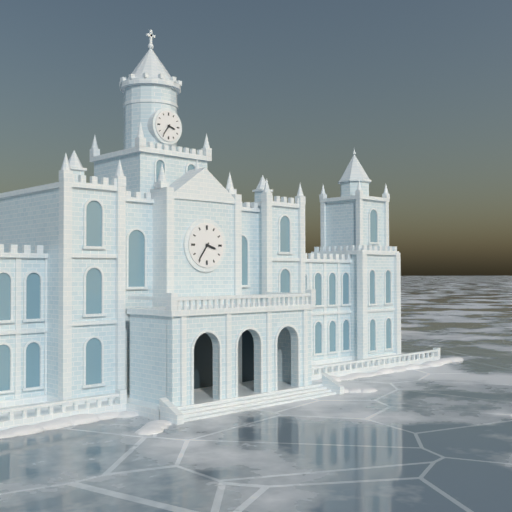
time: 3:36
